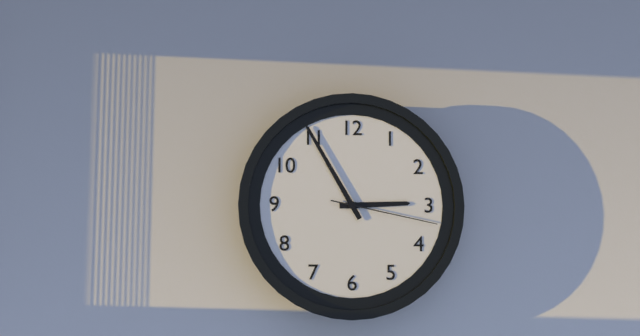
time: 2:55:17
